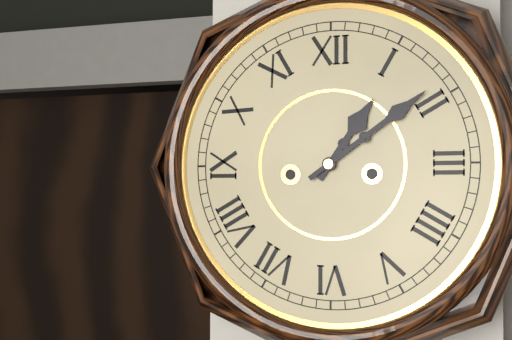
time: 1:09
